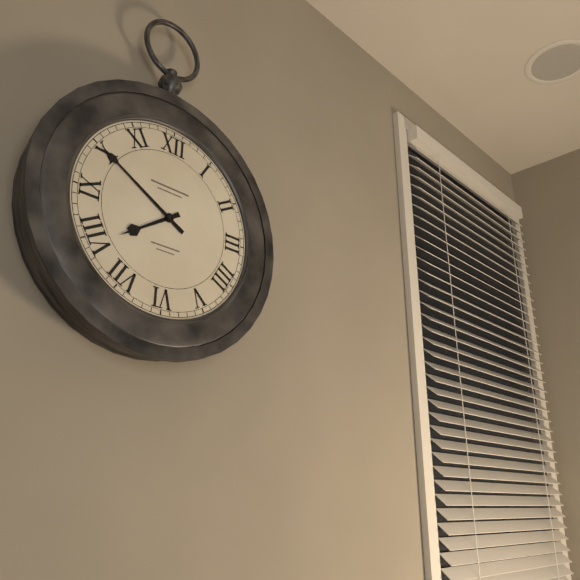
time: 7:50
